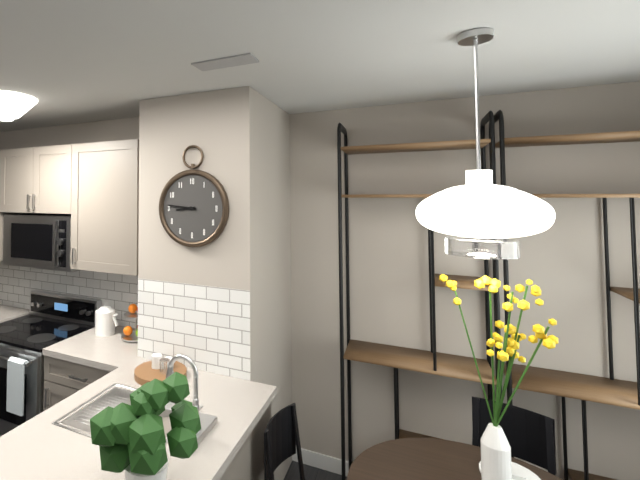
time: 8:46
